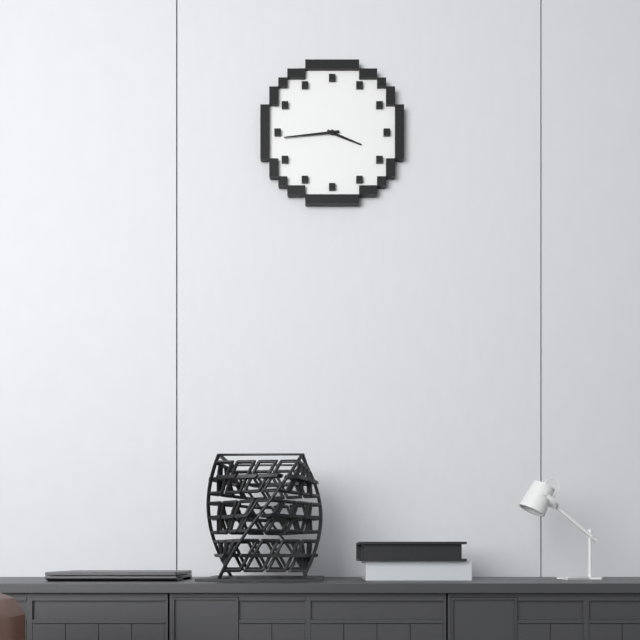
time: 3:44
